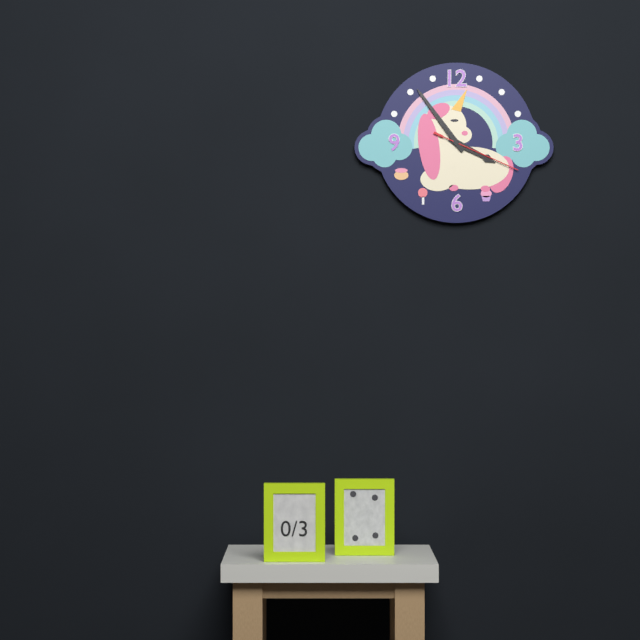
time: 3:54:19
